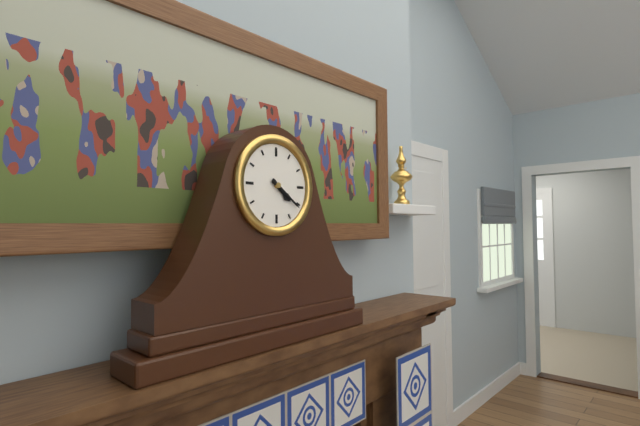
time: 4:21
